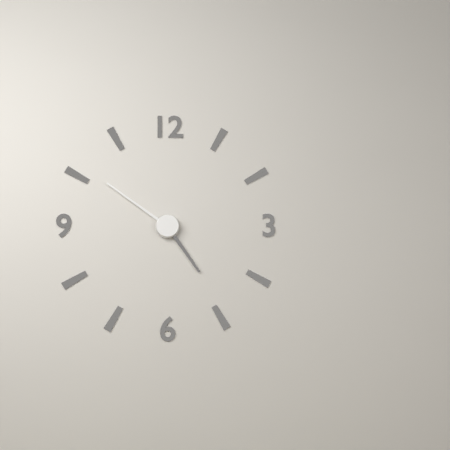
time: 4:51
